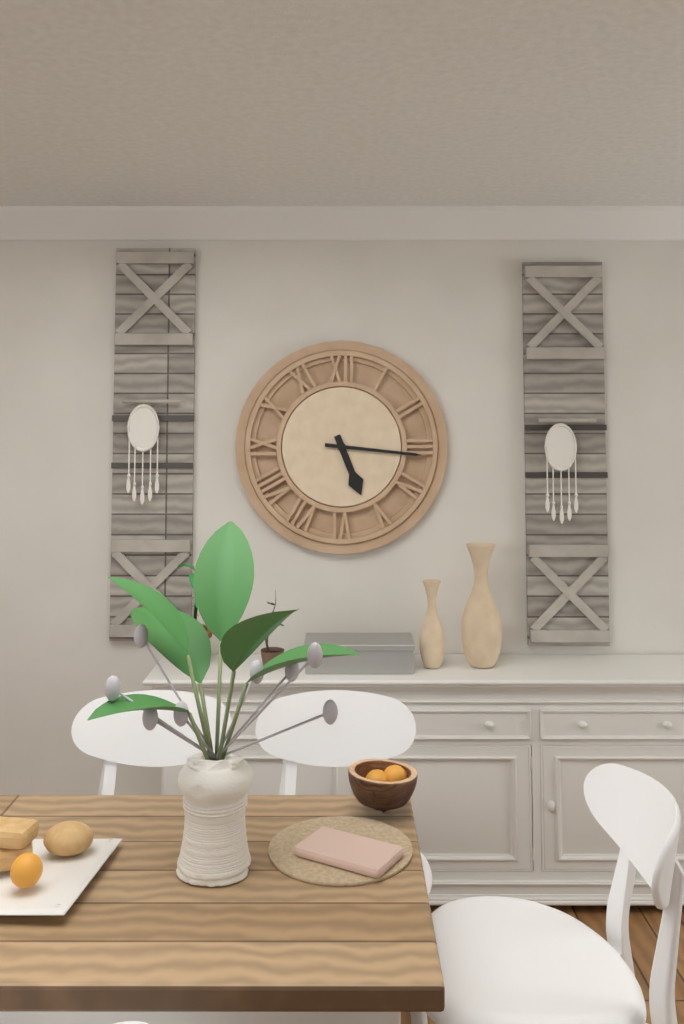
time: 5:16
